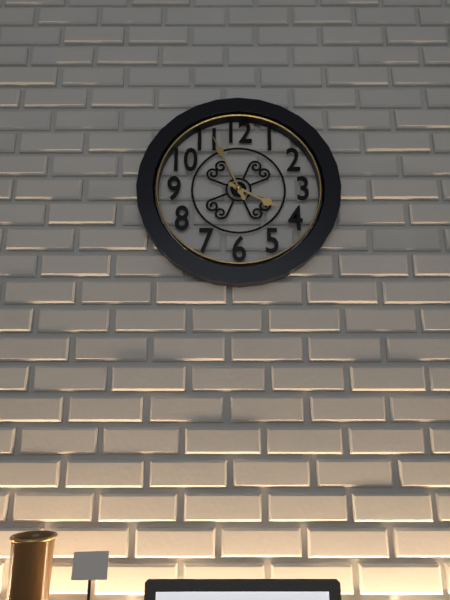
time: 3:56
